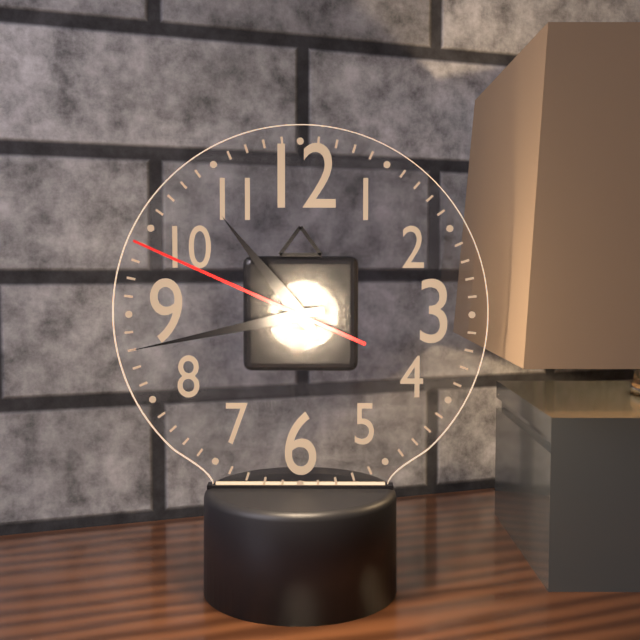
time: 10:43:49
